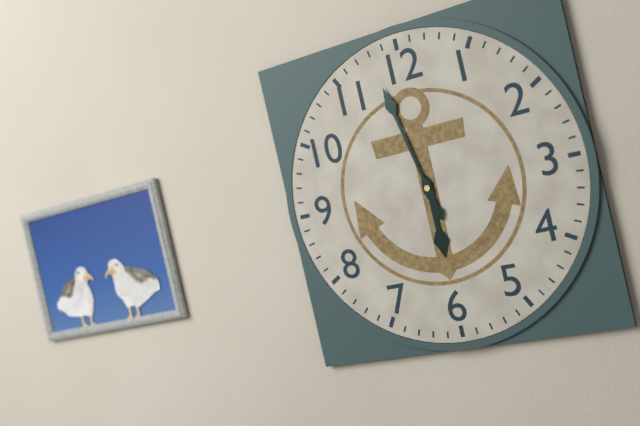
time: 5:58
